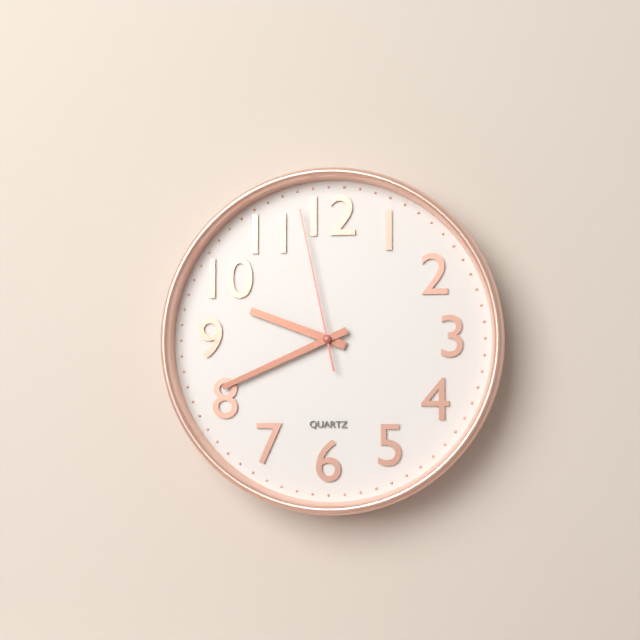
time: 9:41:58
